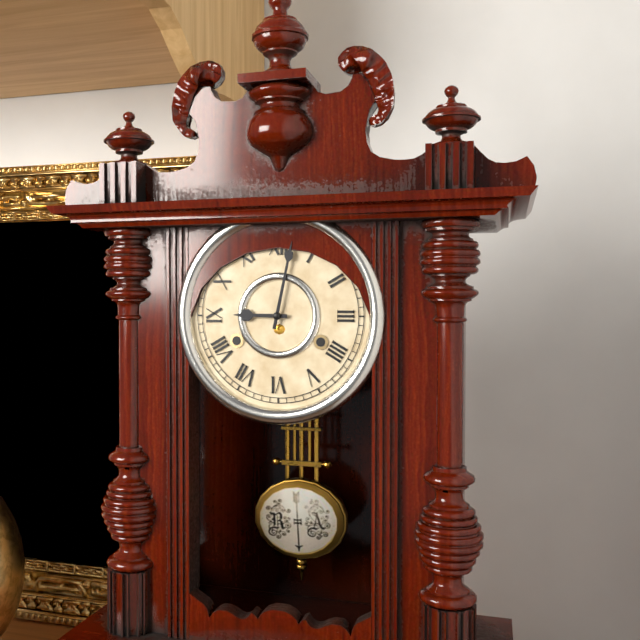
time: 9:02
